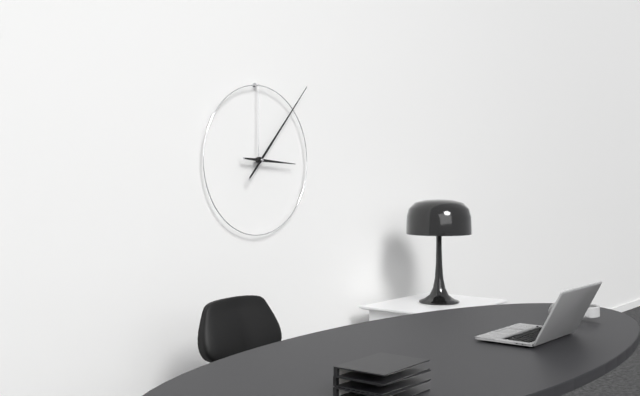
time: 3:07
